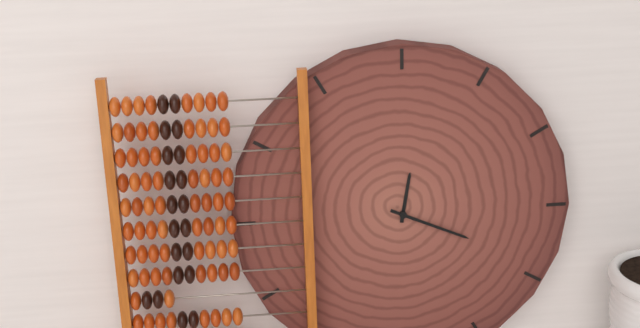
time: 12:19
